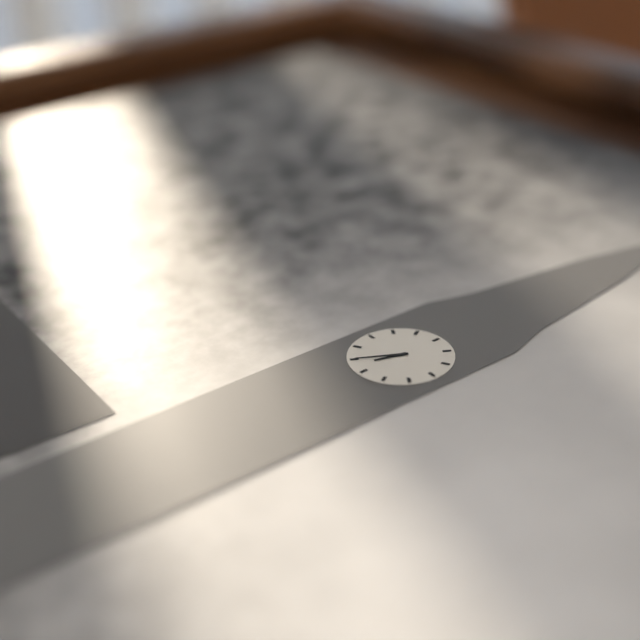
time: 6:35
